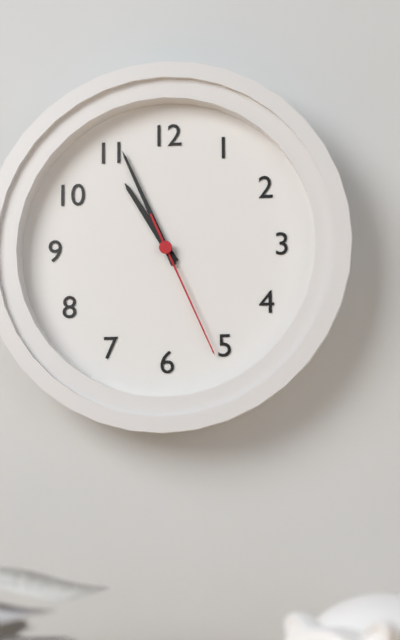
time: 10:56:26
